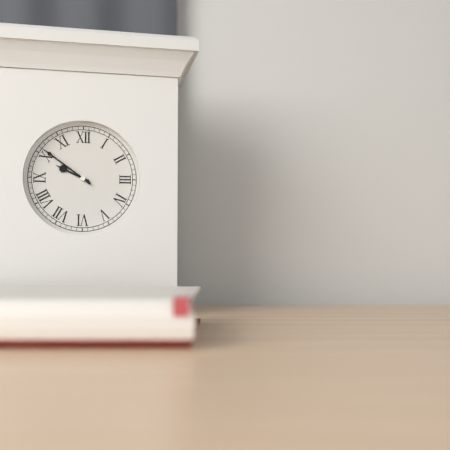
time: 9:51
